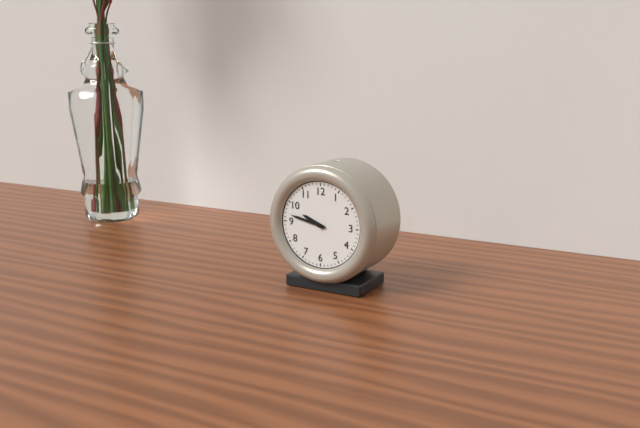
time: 9:47
